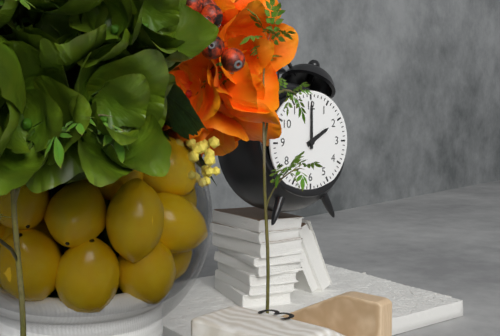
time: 2:00
